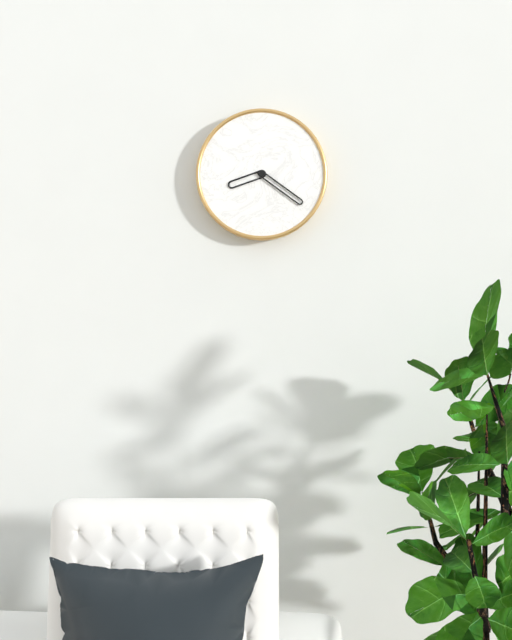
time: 8:21
